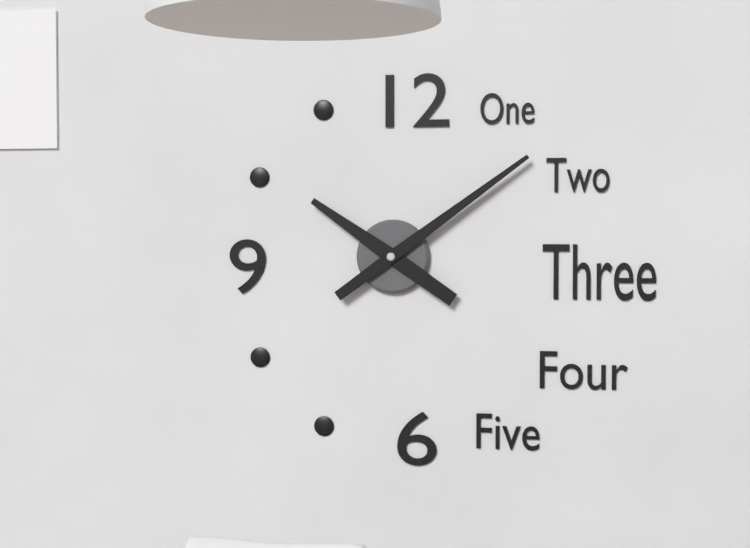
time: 10:09
